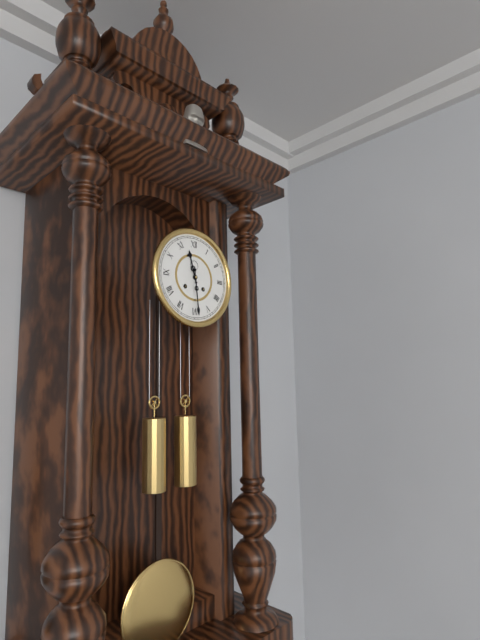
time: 11:29
